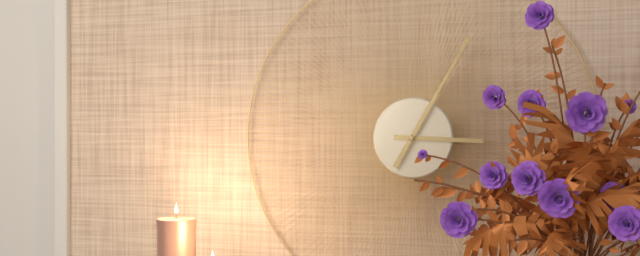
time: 3:05
